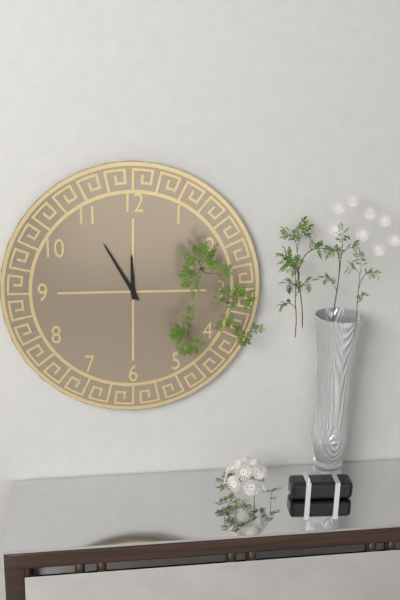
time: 11:55
